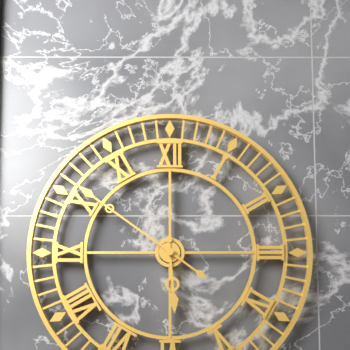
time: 5:51
